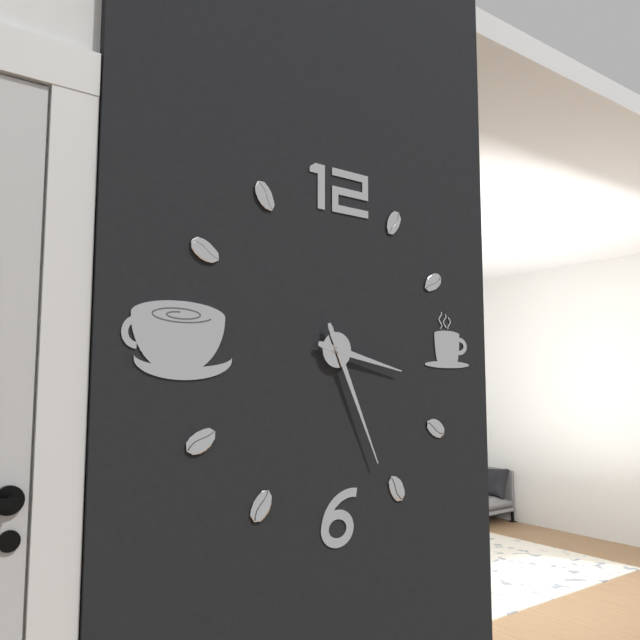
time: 3:26
